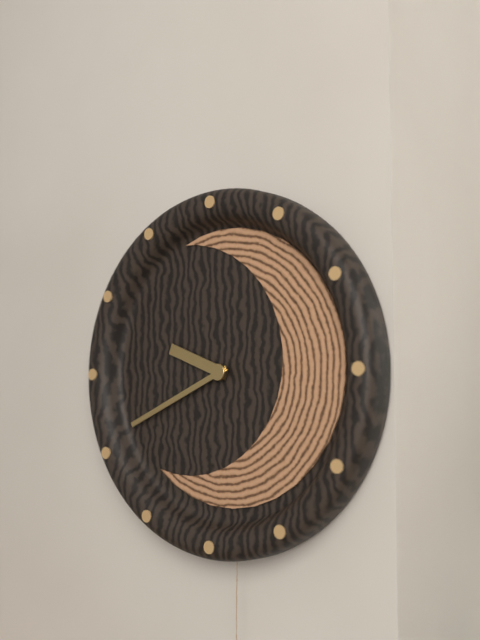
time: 9:41
